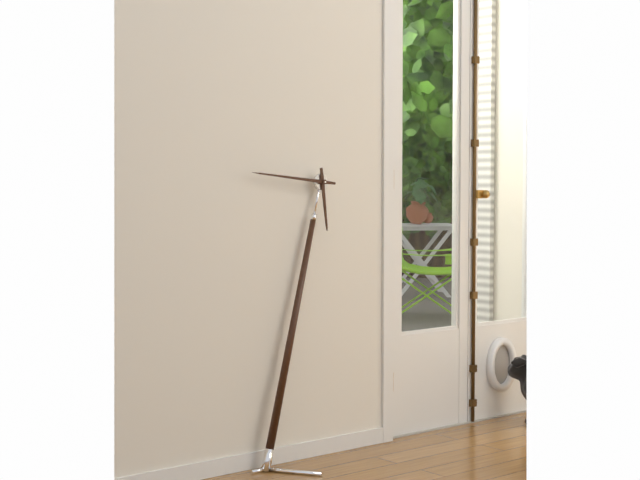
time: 5:46
